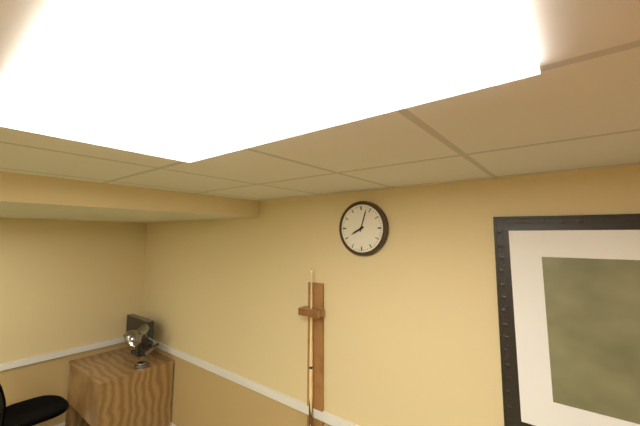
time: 8:03
